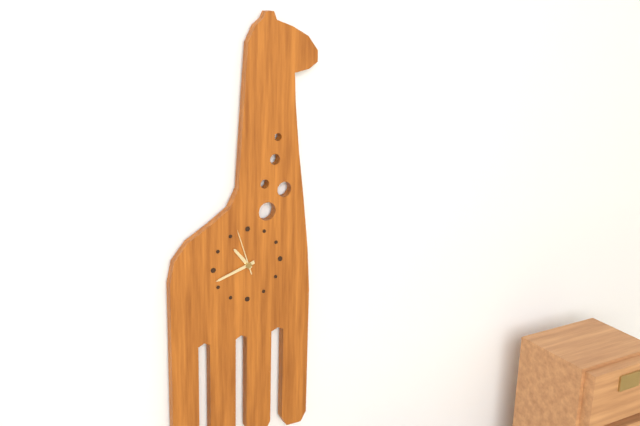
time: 10:42
